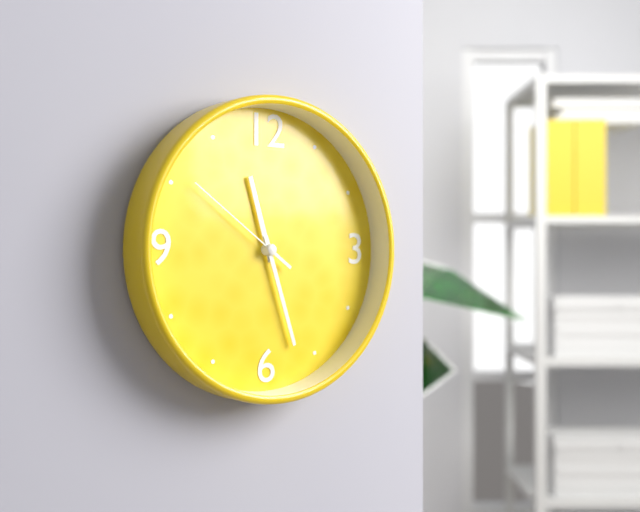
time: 11:27:51
